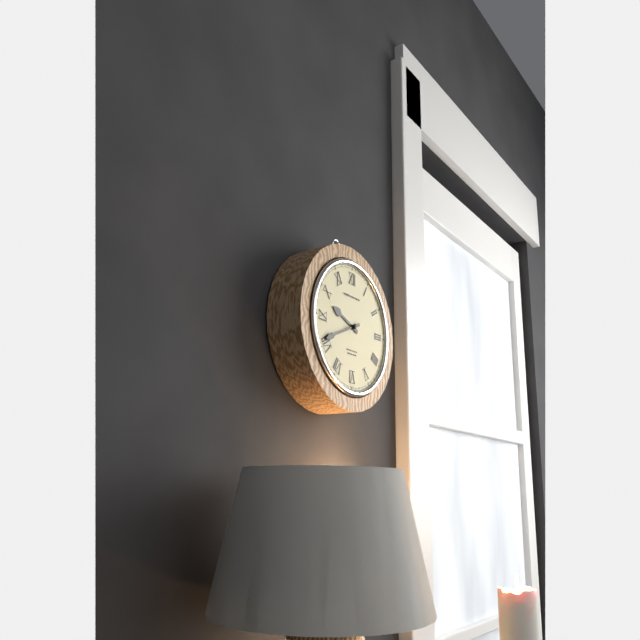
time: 9:41
